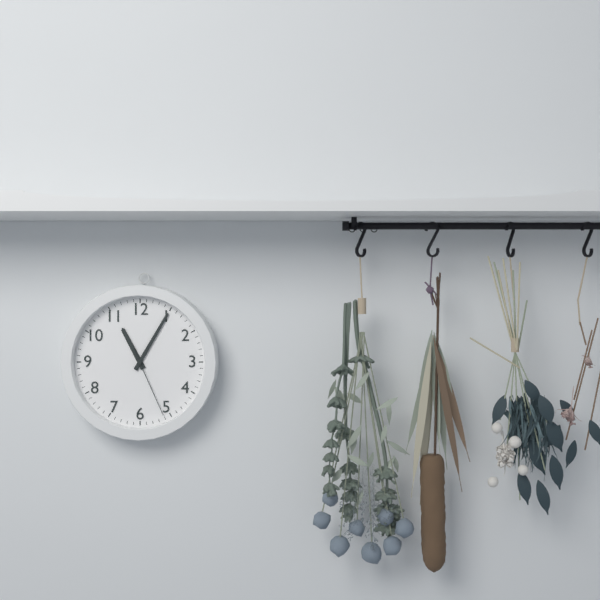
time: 11:05:26
